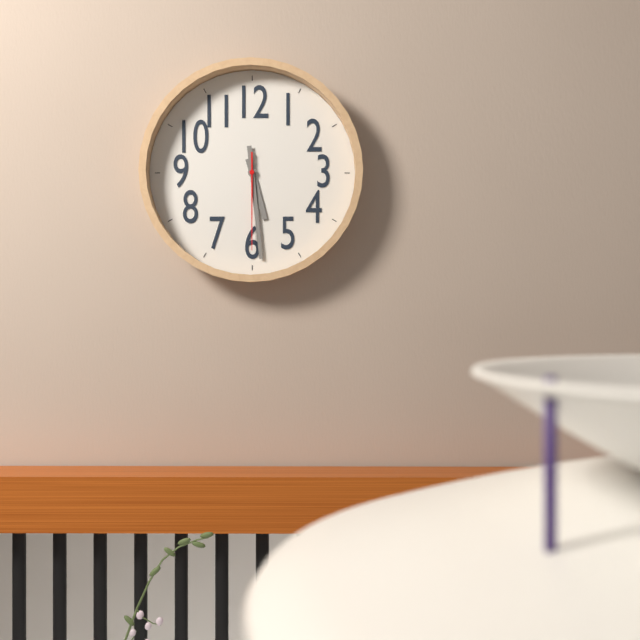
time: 5:29:30
